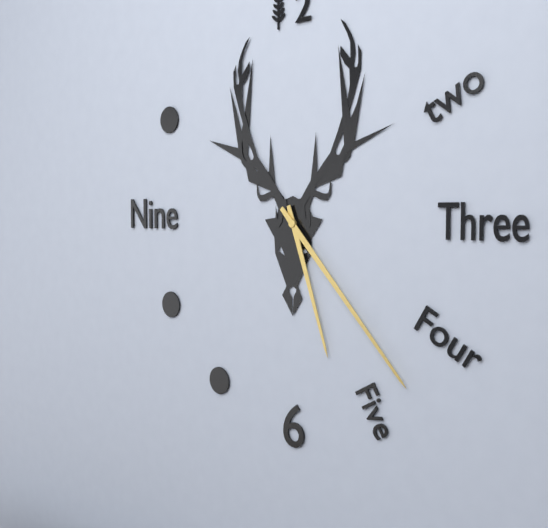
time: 5:23
